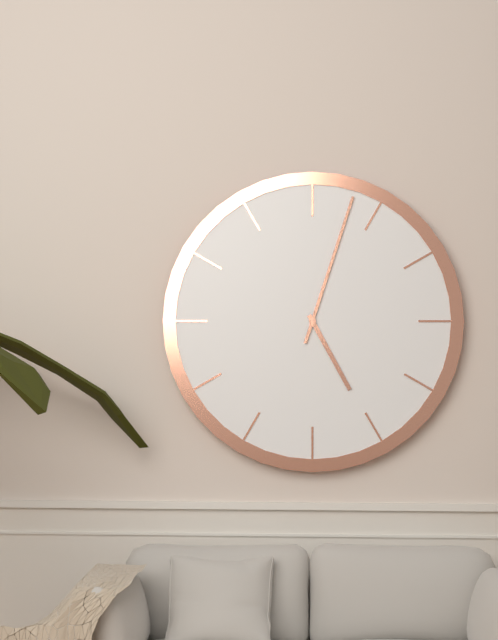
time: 5:03
